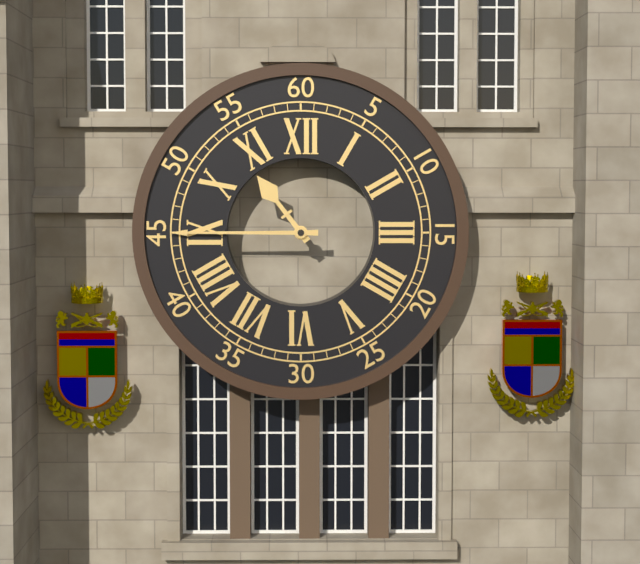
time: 10:45
